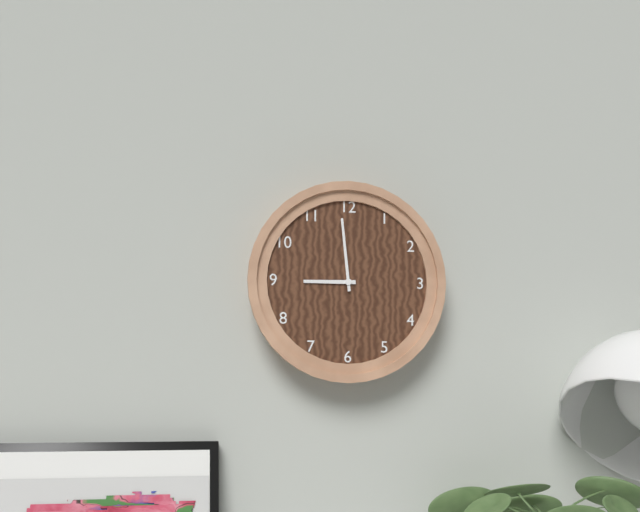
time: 8:59
